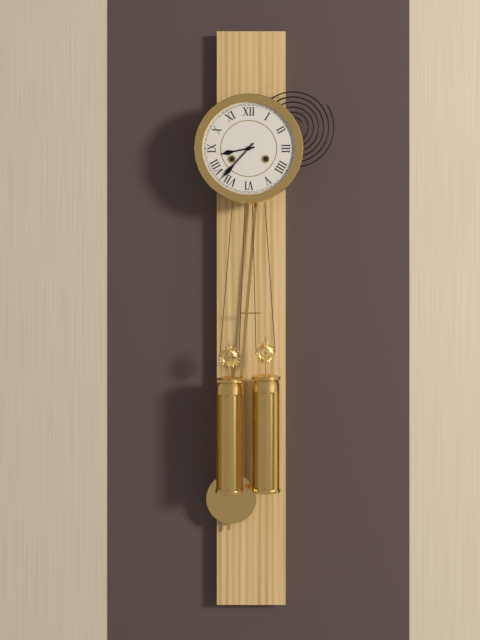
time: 8:37
